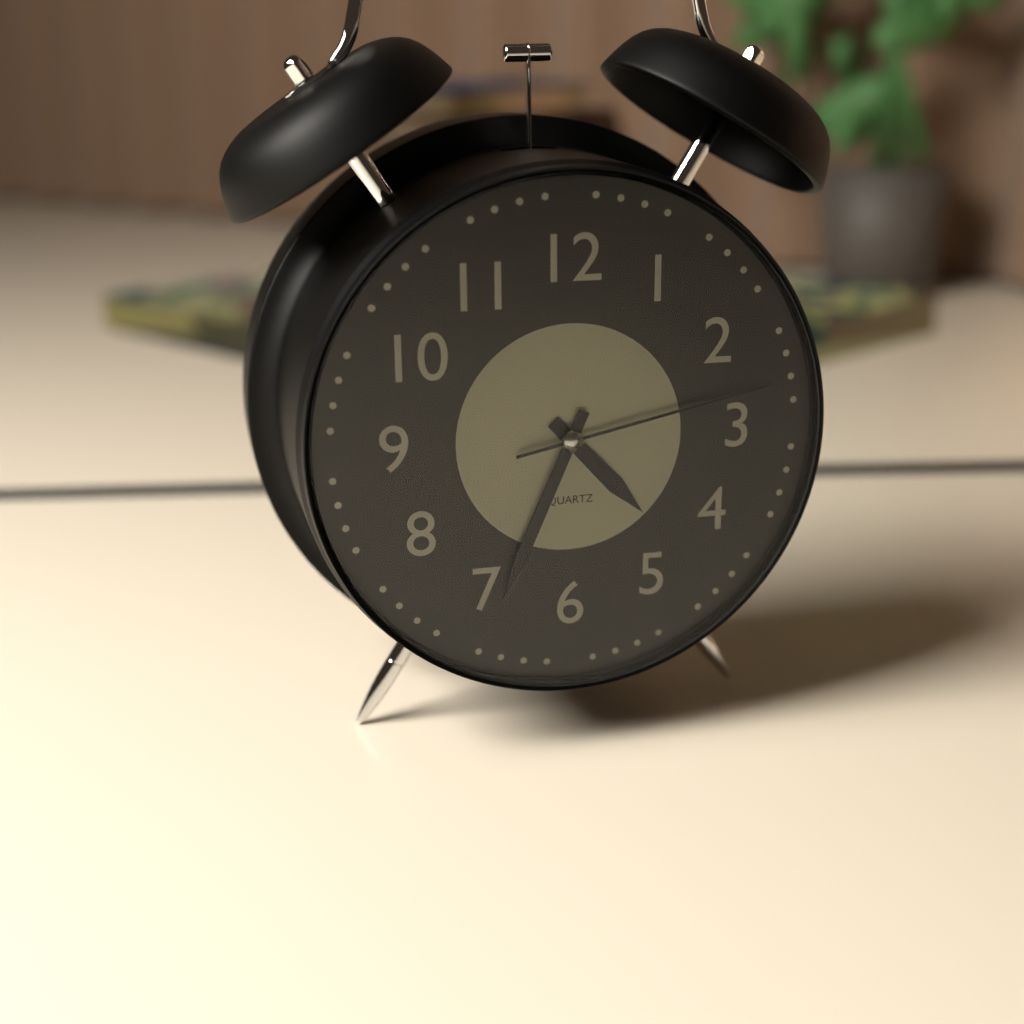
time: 4:34:13
